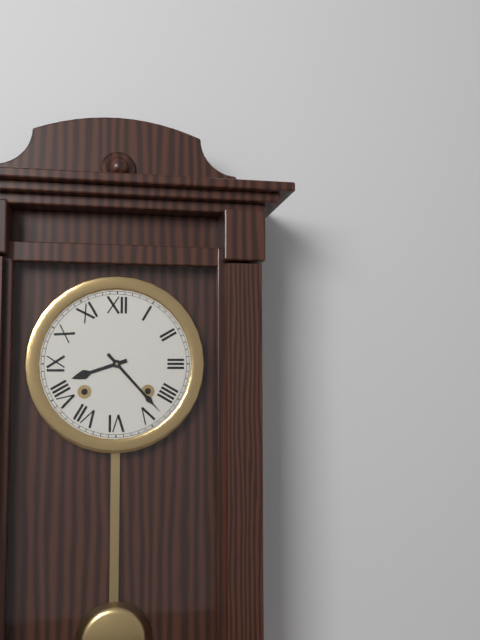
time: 8:23
